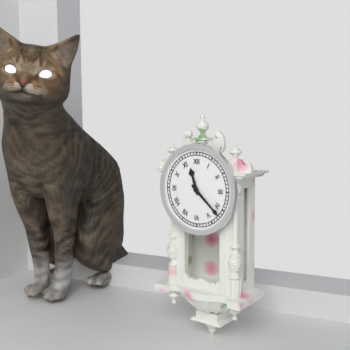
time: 11:22
